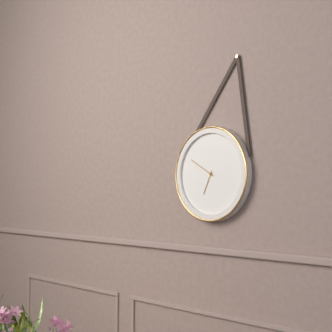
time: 6:50
